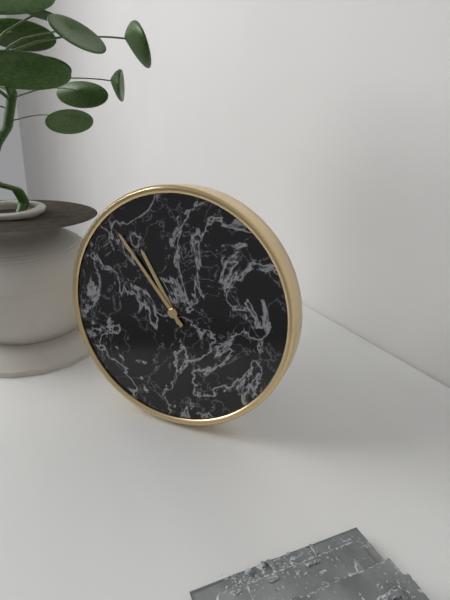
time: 10:53
